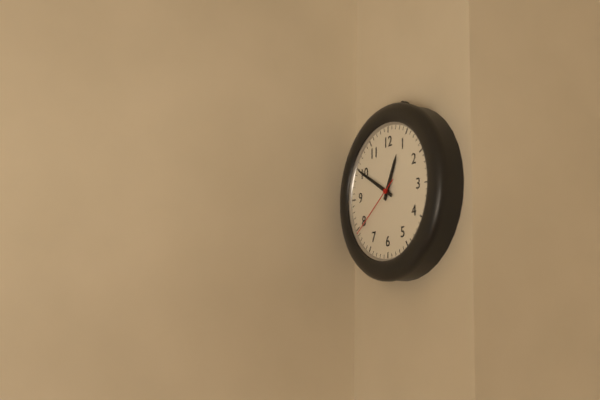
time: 12:50:39
